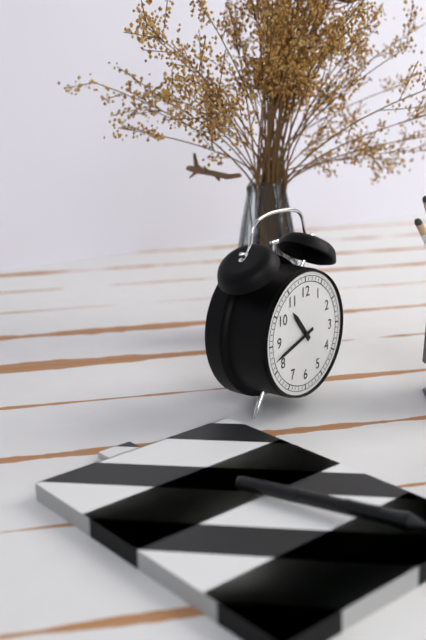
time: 10:42
